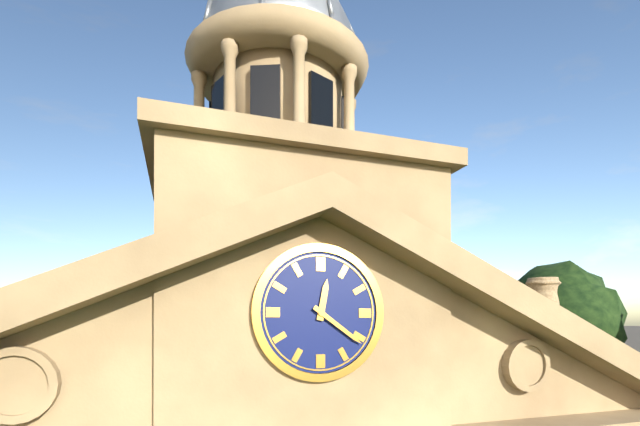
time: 12:21
